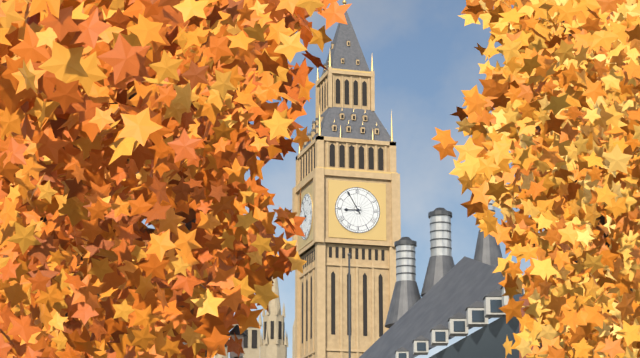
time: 8:55
